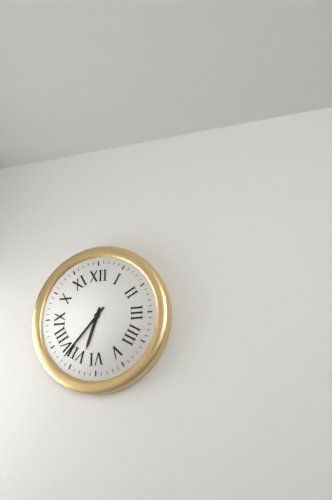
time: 6:37
